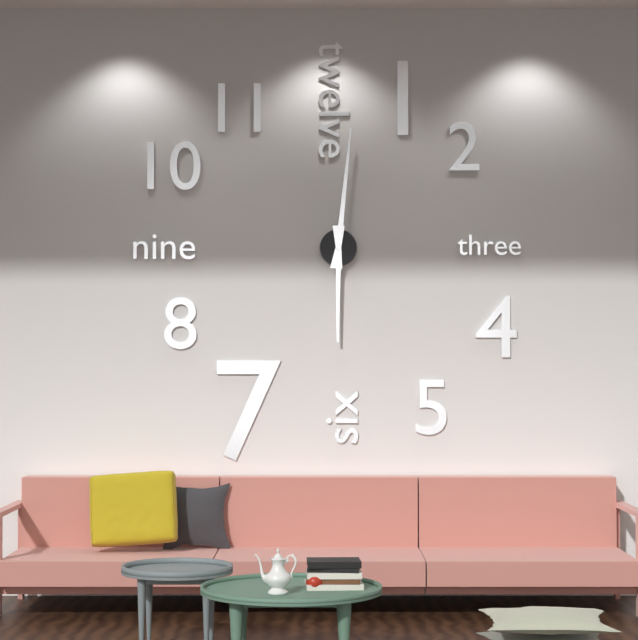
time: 6:01
